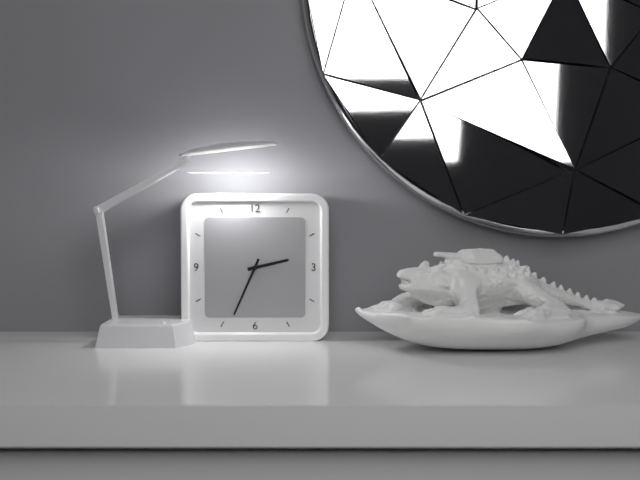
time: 2:34
